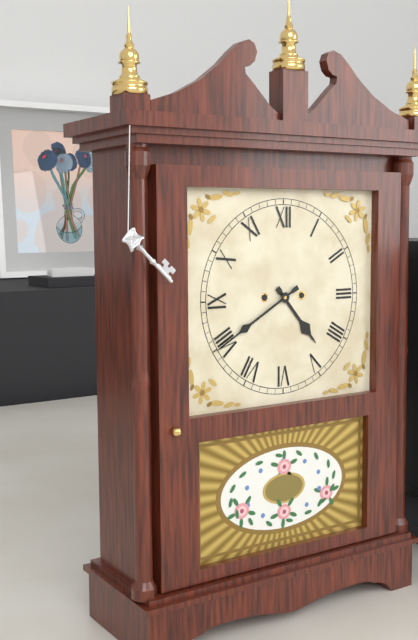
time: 4:40
